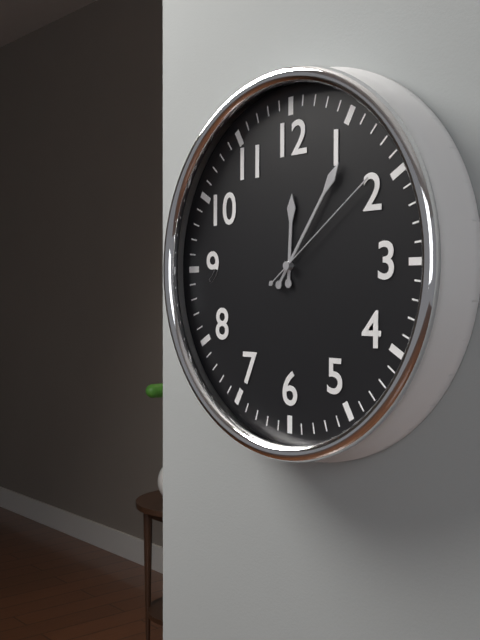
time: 12:06:09
